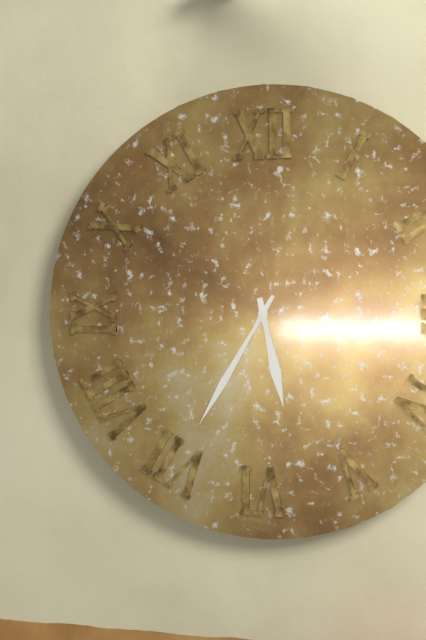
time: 5:35
